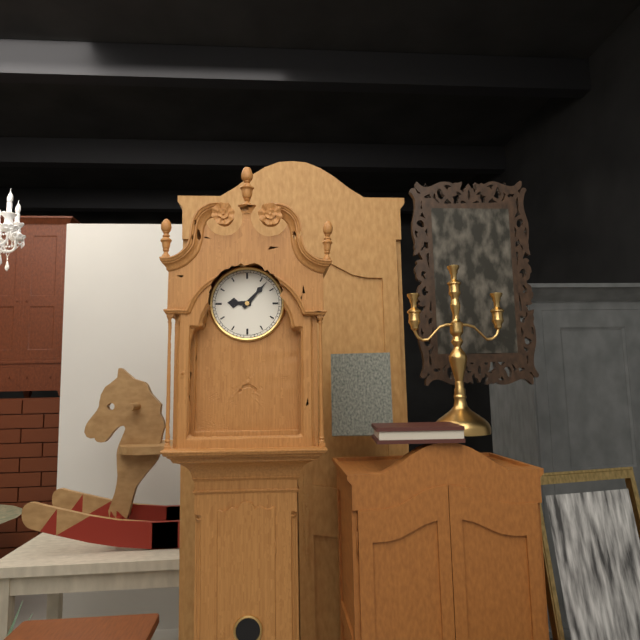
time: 9:07
